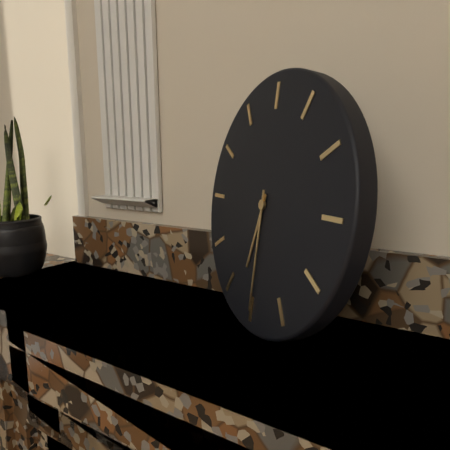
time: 6:30
